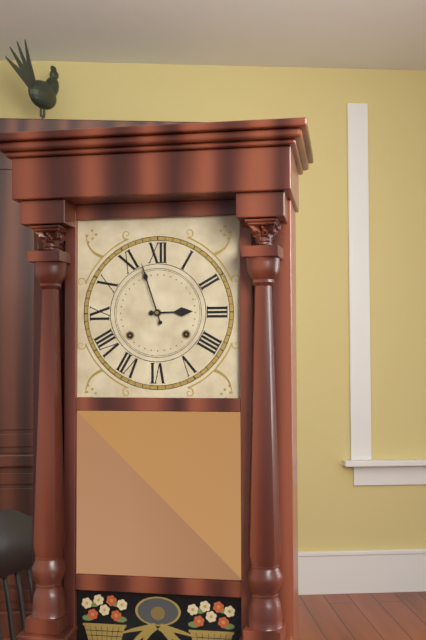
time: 2:57
